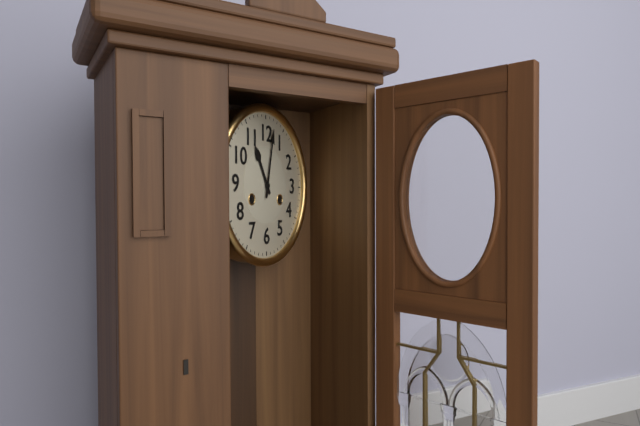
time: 11:02
